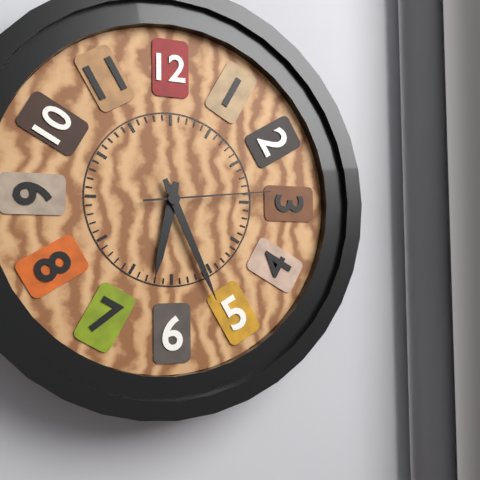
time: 6:26:14
